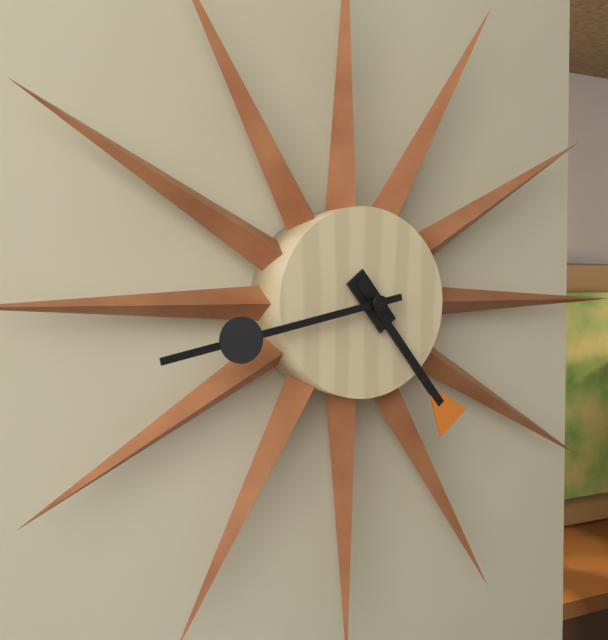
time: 4:43
